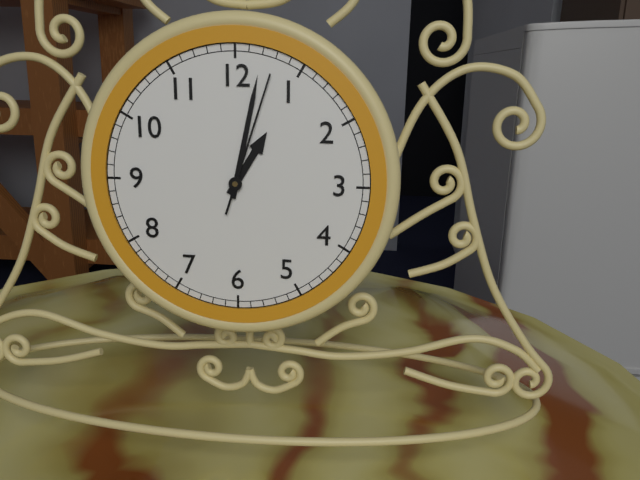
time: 1:02:03
